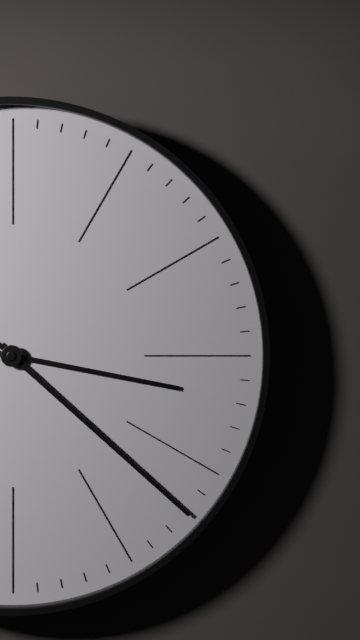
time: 3:22
